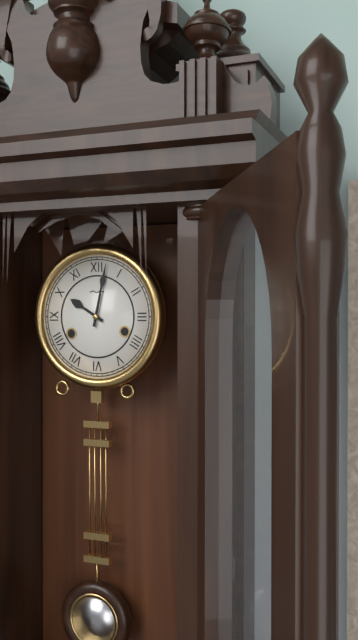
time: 10:02
